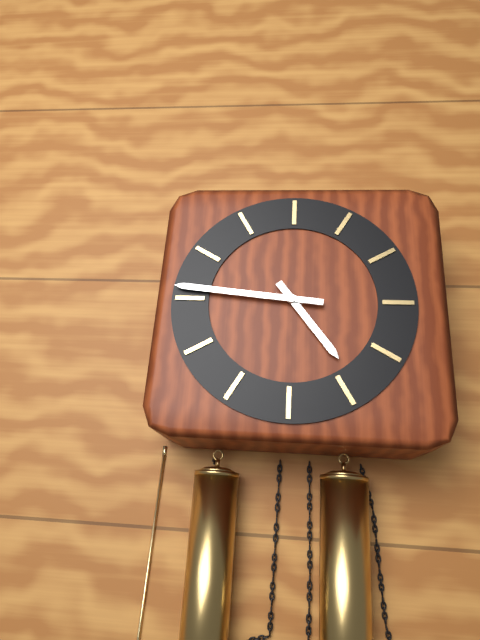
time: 4:46
